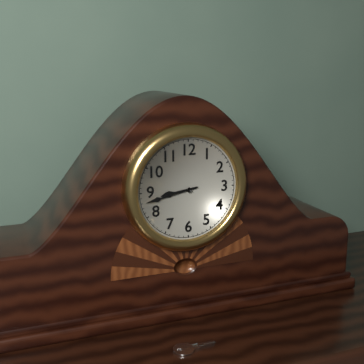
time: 8:43
